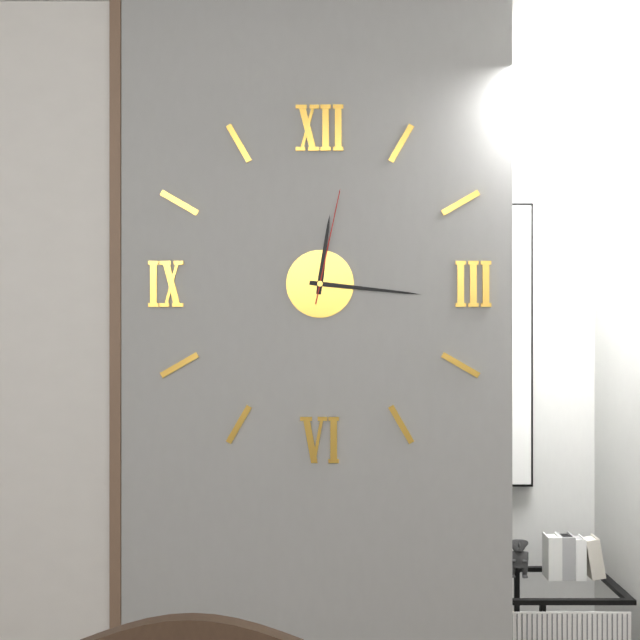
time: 12:16:02
